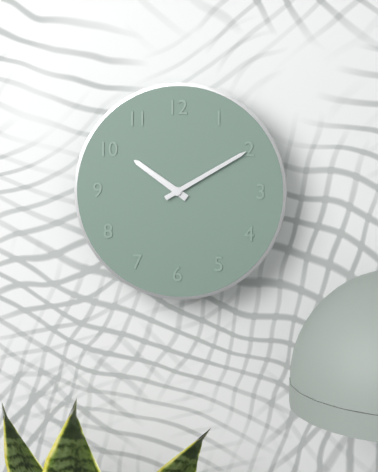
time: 10:10
